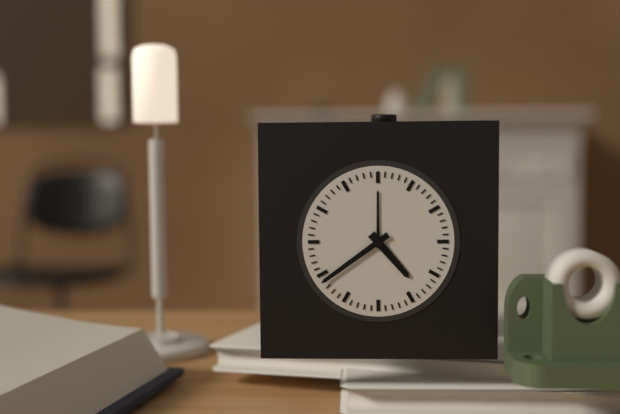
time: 4:39
